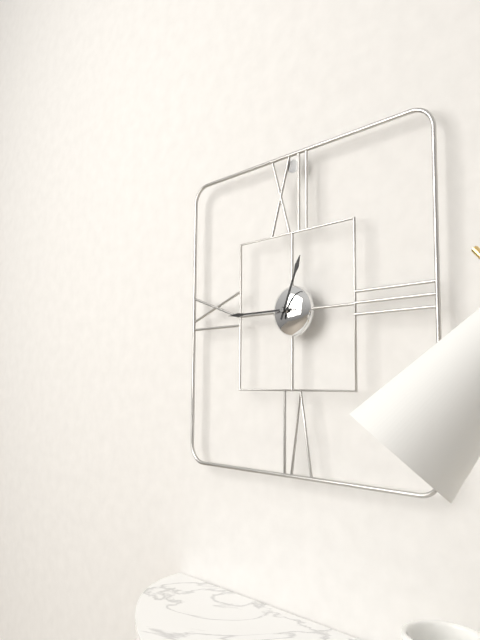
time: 12:45
